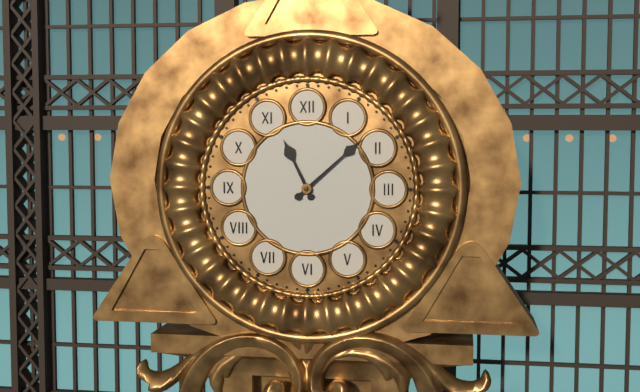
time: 11:08
